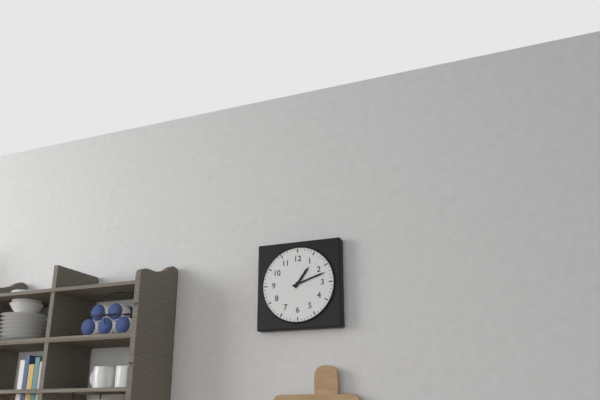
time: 1:12
